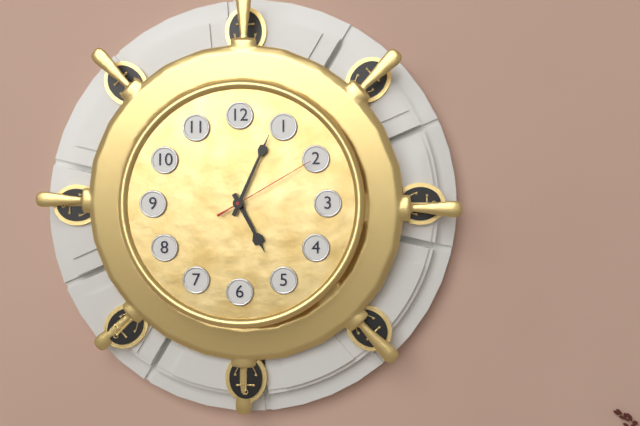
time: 5:04:10
